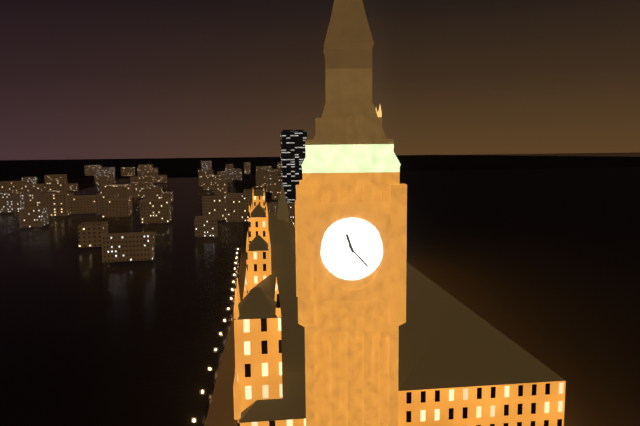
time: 11:23
